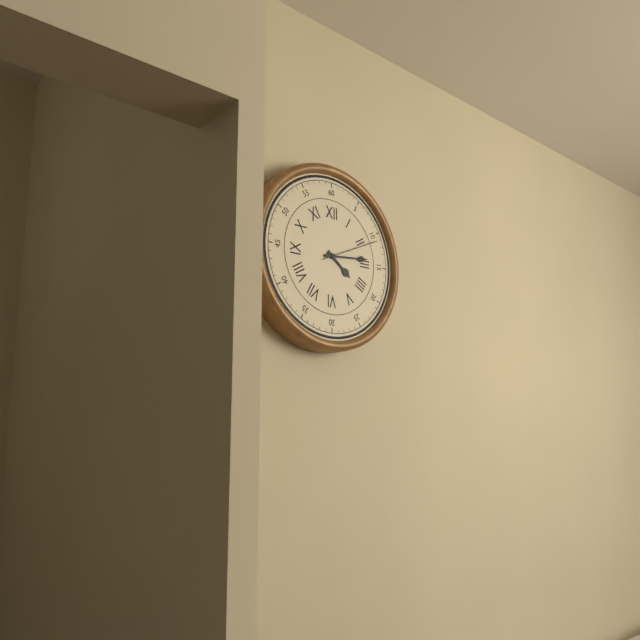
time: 4:14:11
